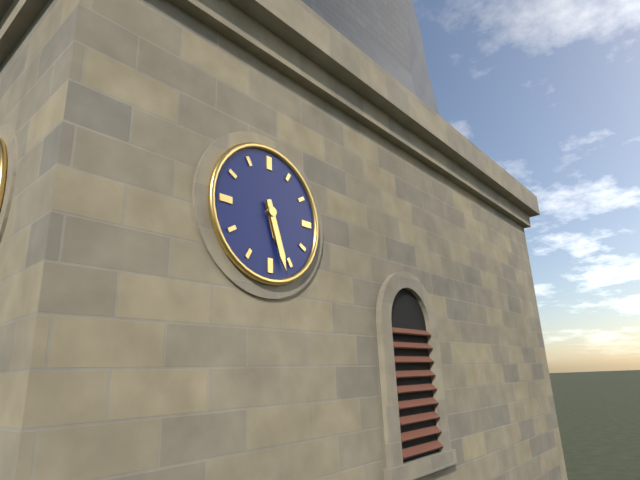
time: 5:27
